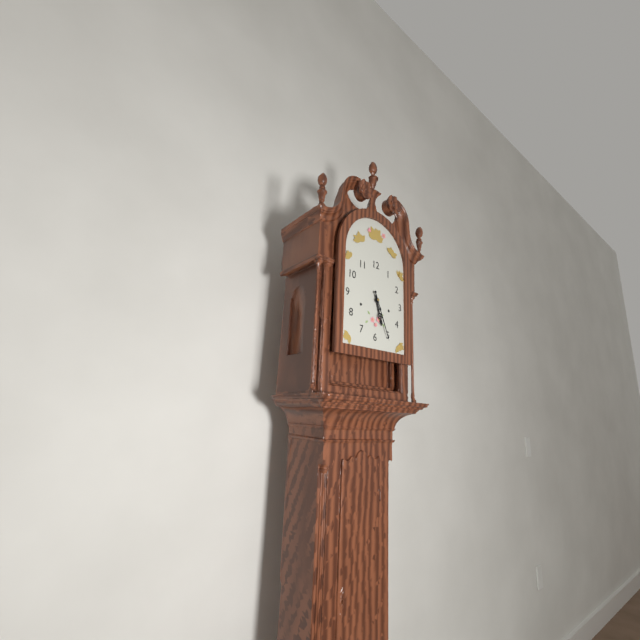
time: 5:26
